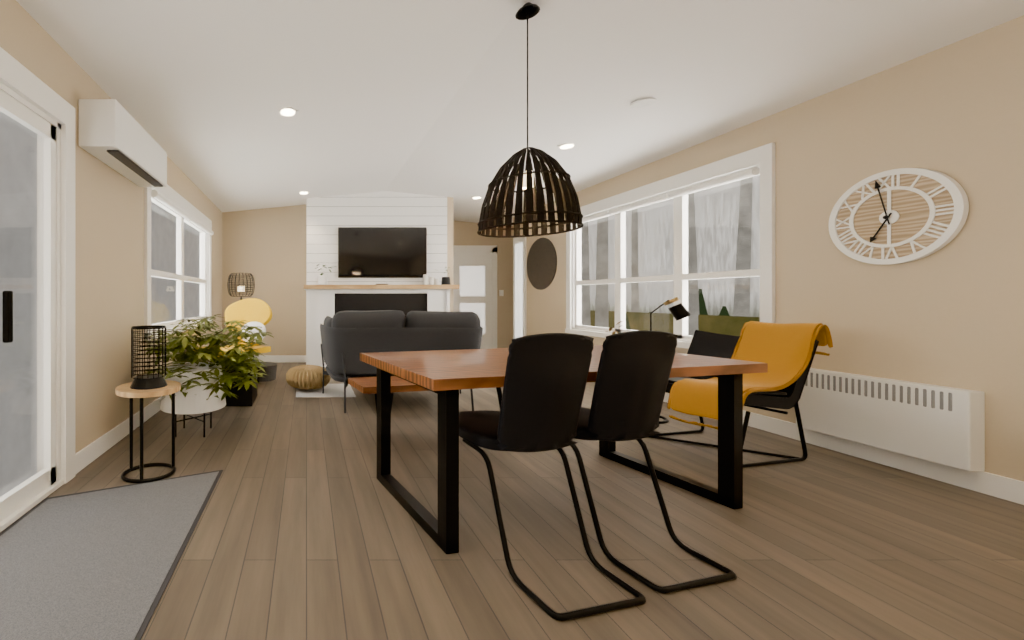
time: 6:58
